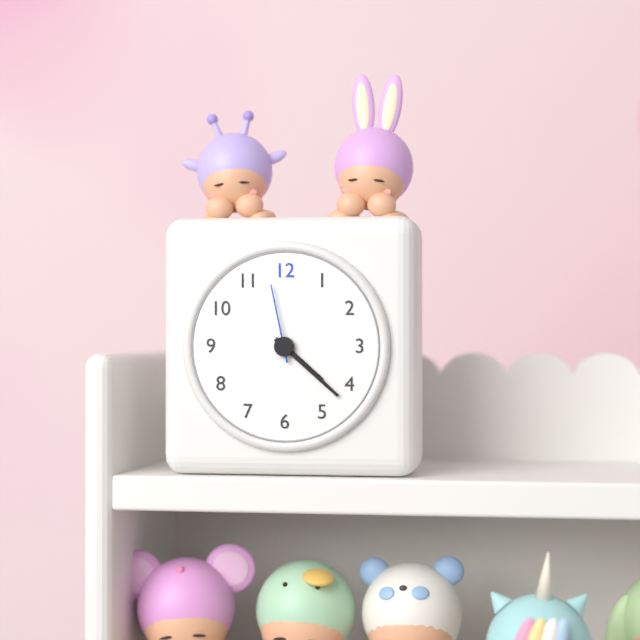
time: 4:22:58
